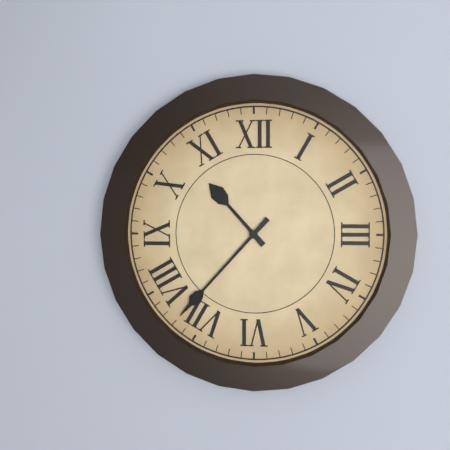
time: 10:37
